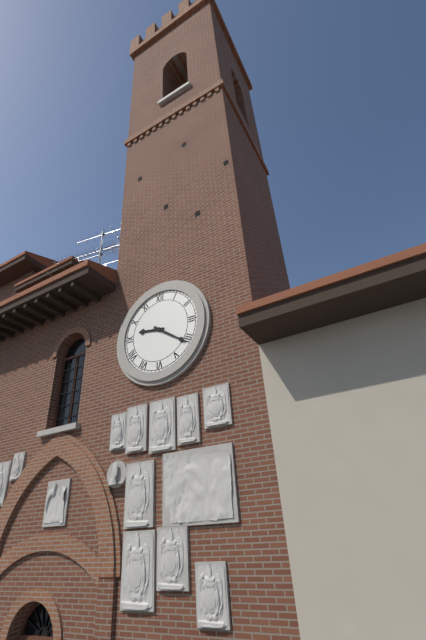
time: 9:21
